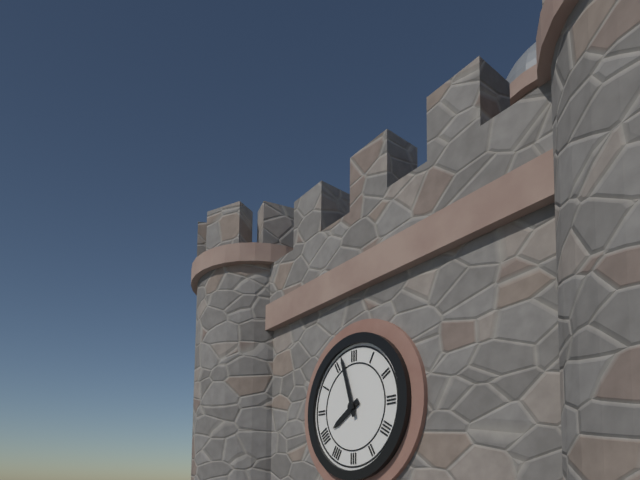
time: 7:57
